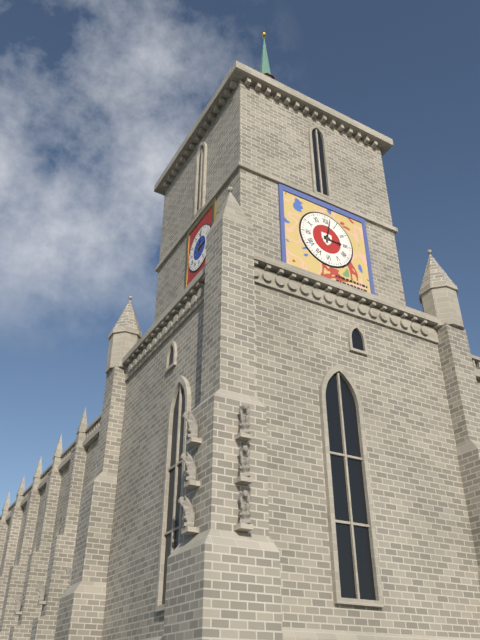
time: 3:02
